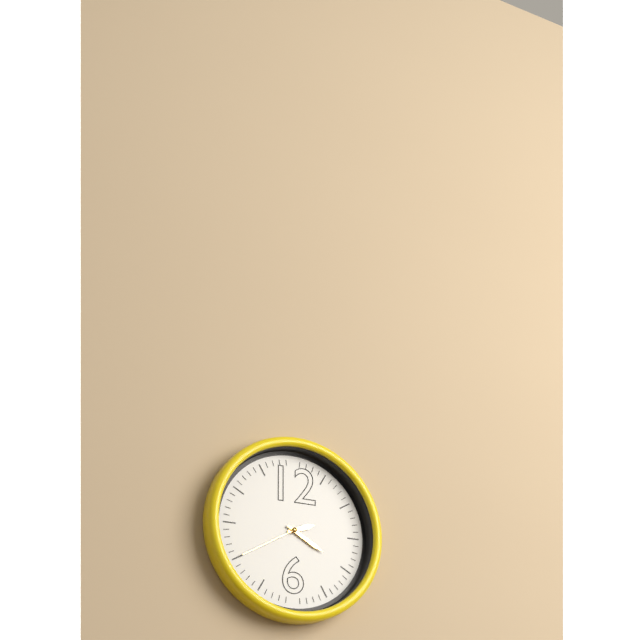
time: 2:20:40
